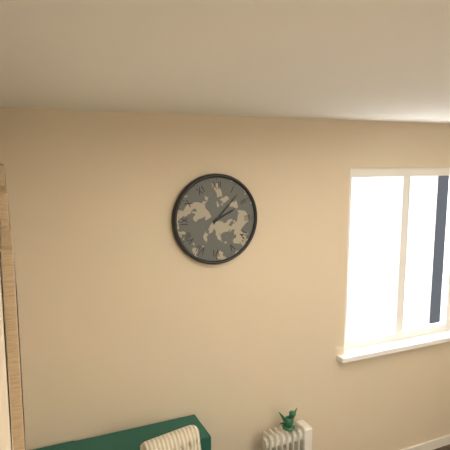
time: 2:07
